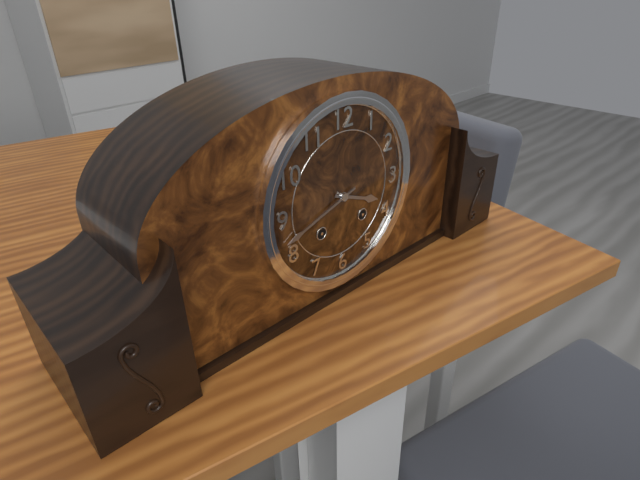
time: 3:42
